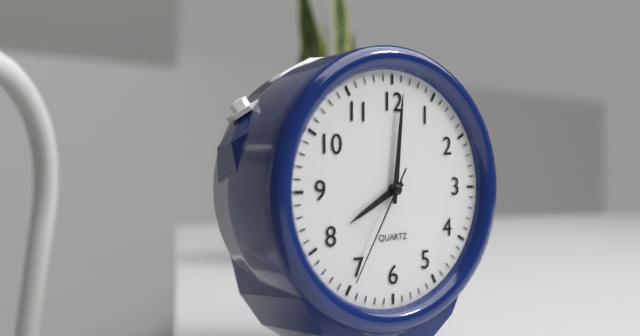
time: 8:01:35
